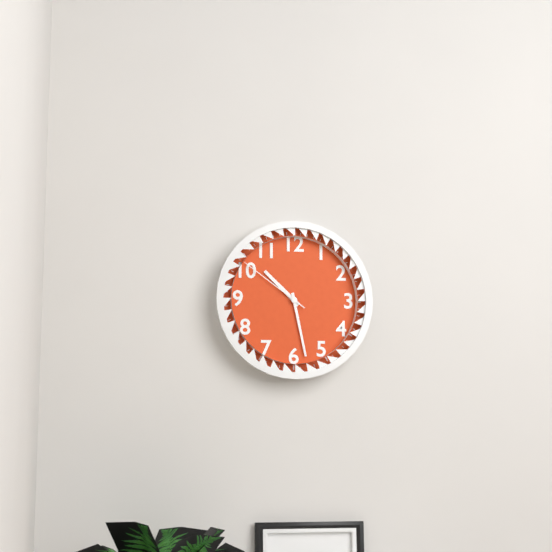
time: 10:28:51
